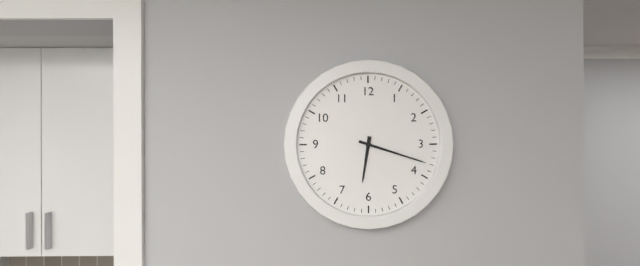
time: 6:18
